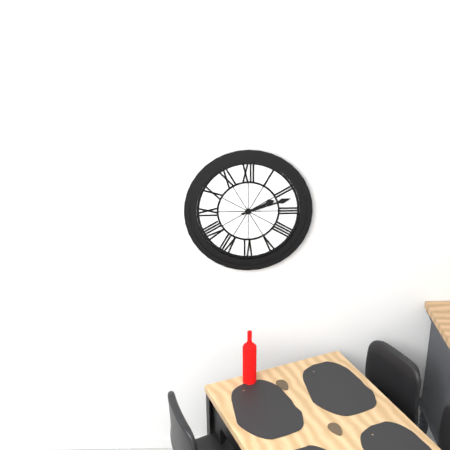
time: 2:12
